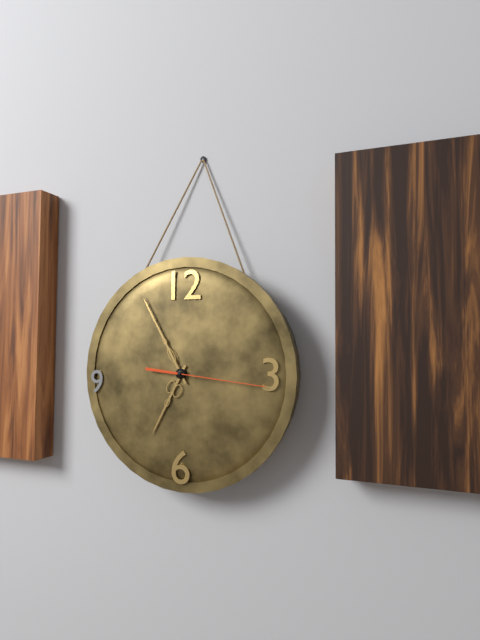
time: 6:55:16
